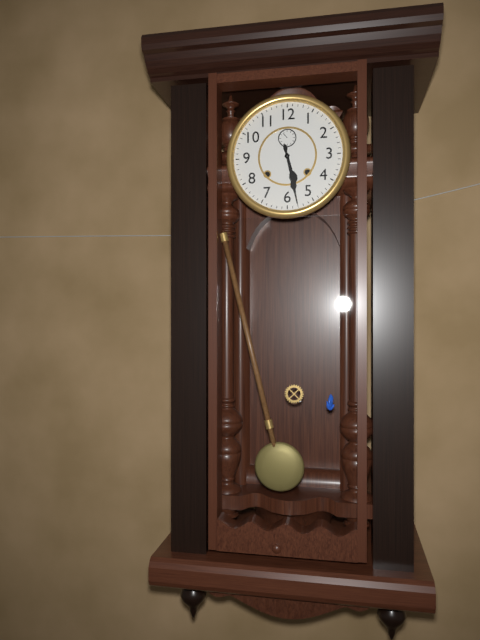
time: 5:28
